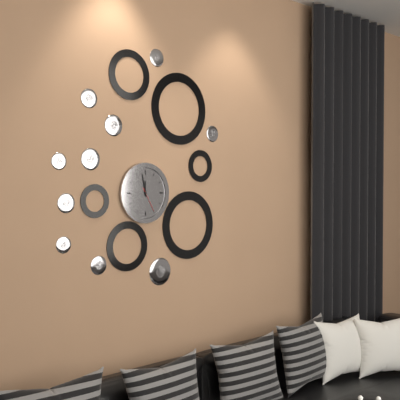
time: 11:58
